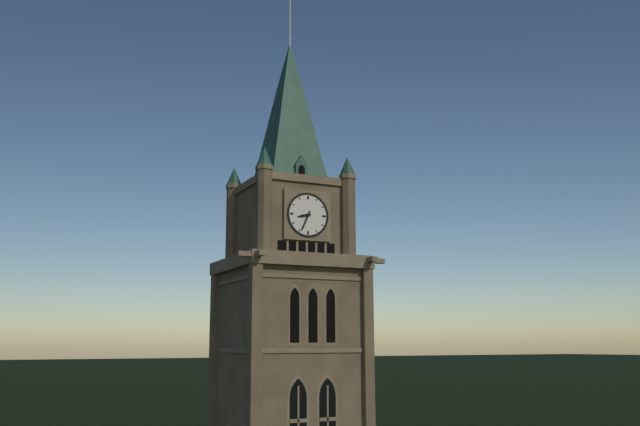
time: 8:34
